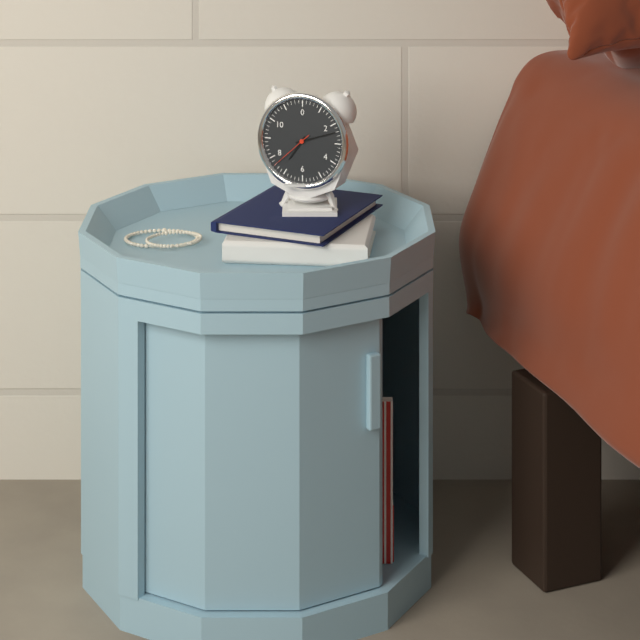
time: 7:12
